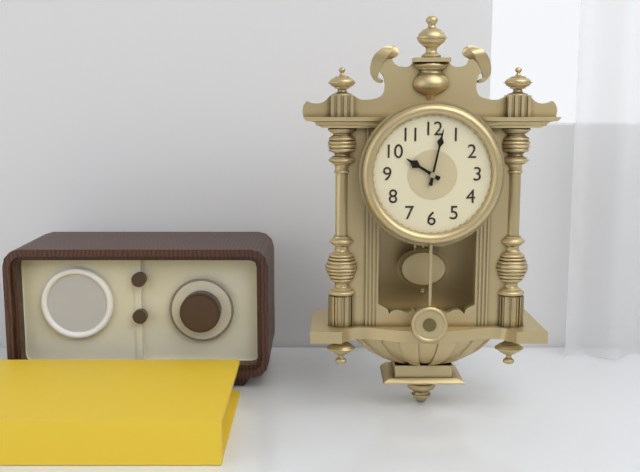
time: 10:02
